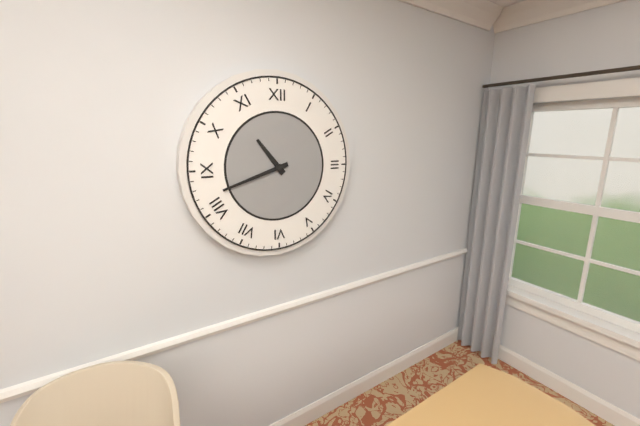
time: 10:42
